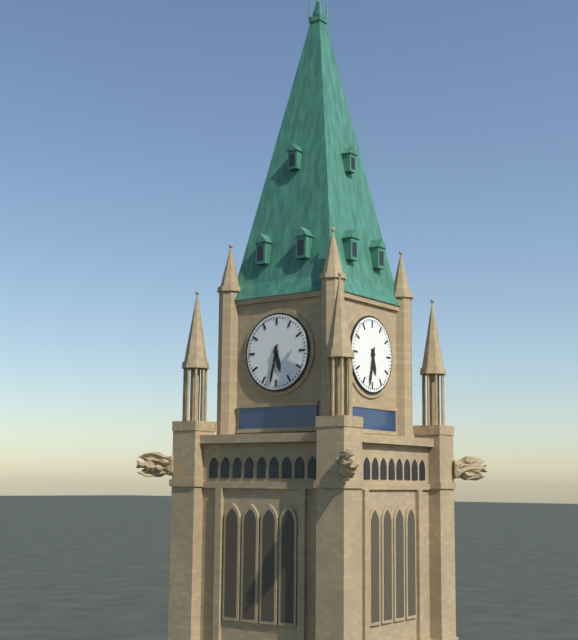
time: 5:32
